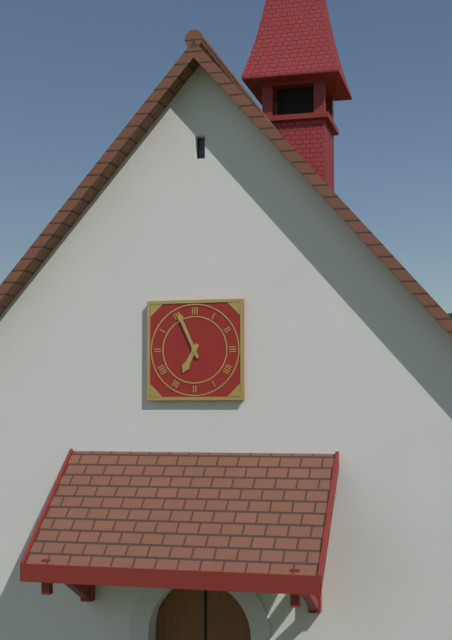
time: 6:56
